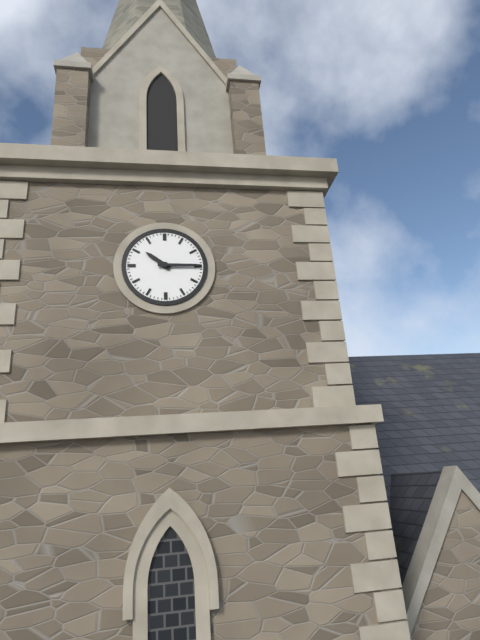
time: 10:15
